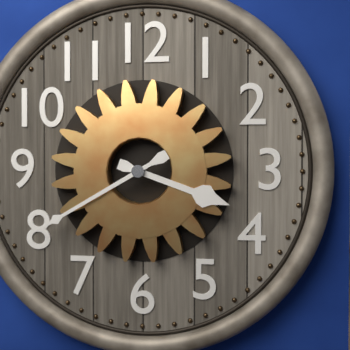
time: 3:40
